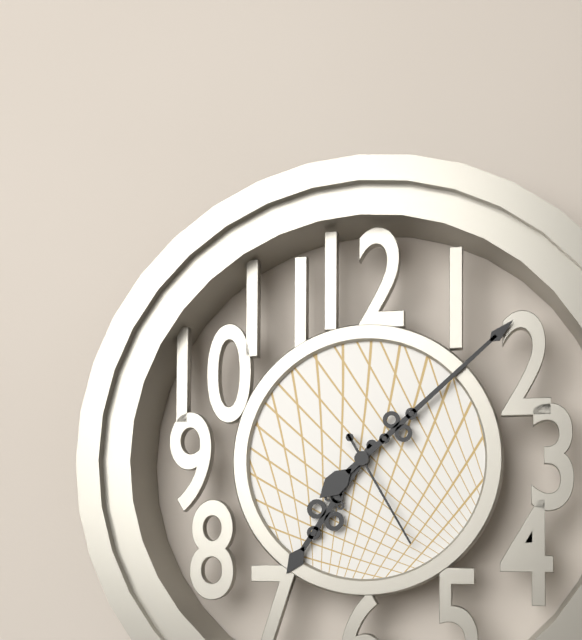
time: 7:08:25
